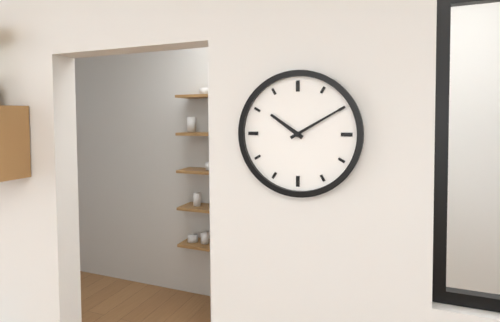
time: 10:10
